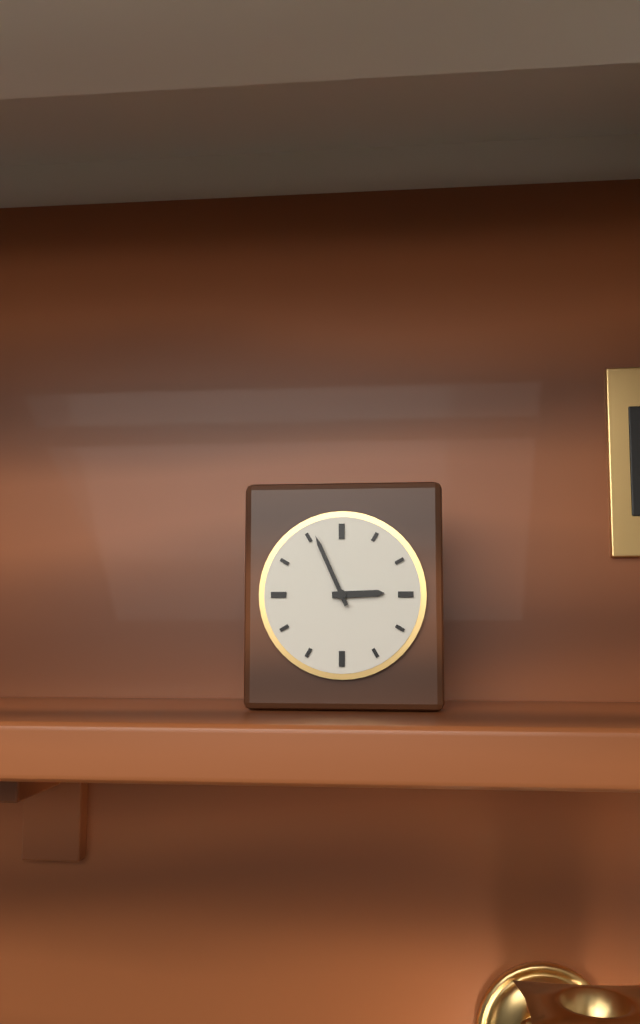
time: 2:56
